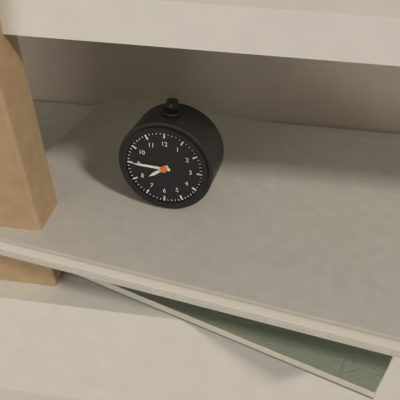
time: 7:45
